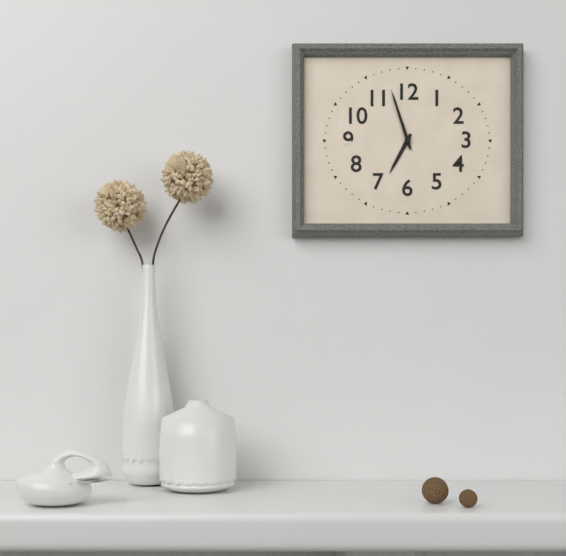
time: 6:57
